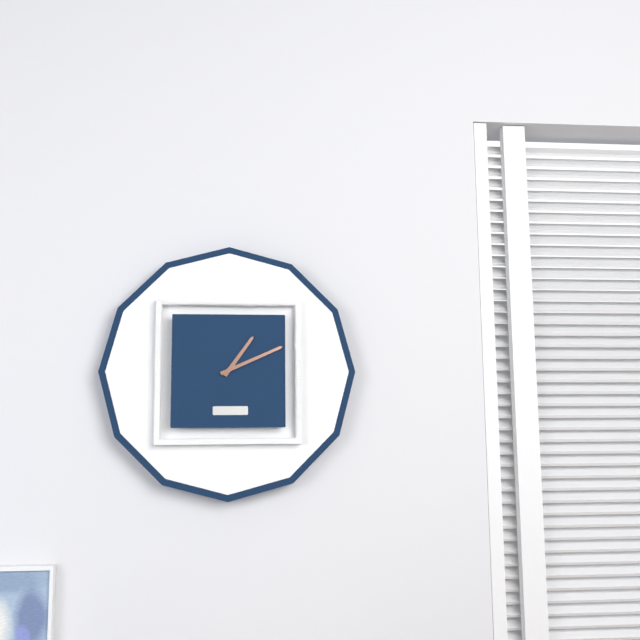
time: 1:11
